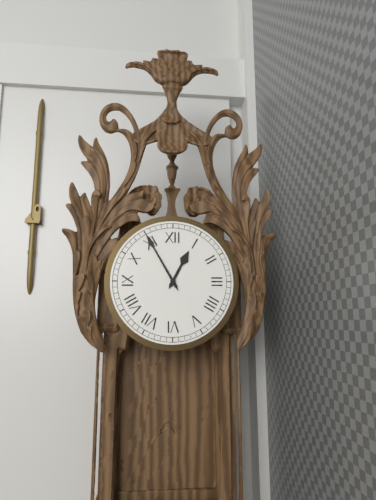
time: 12:55
